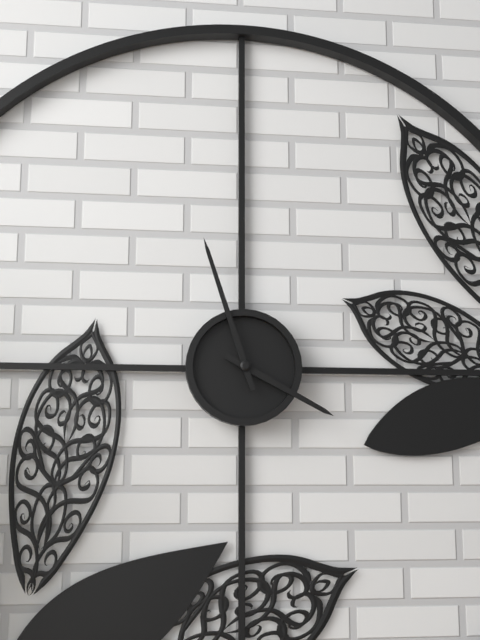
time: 3:57
